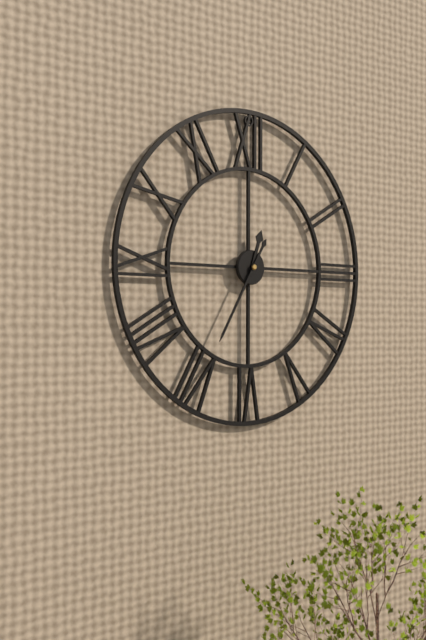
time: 12:35
